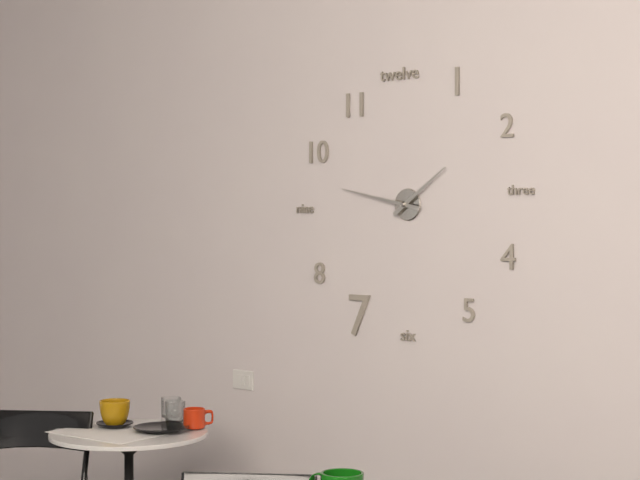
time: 1:47
